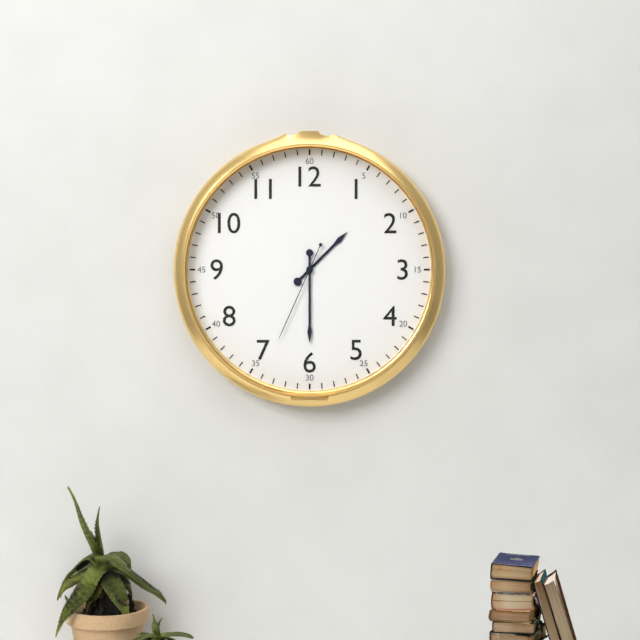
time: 1:30:34
